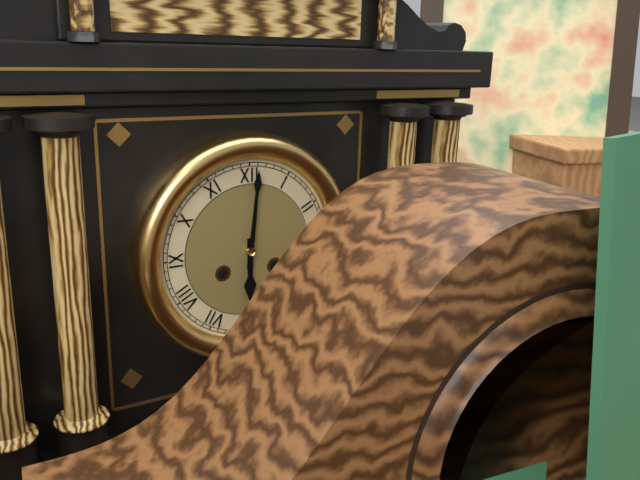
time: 6:01
